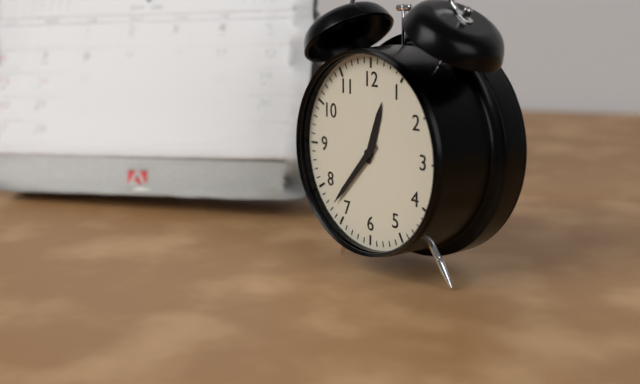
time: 12:37
